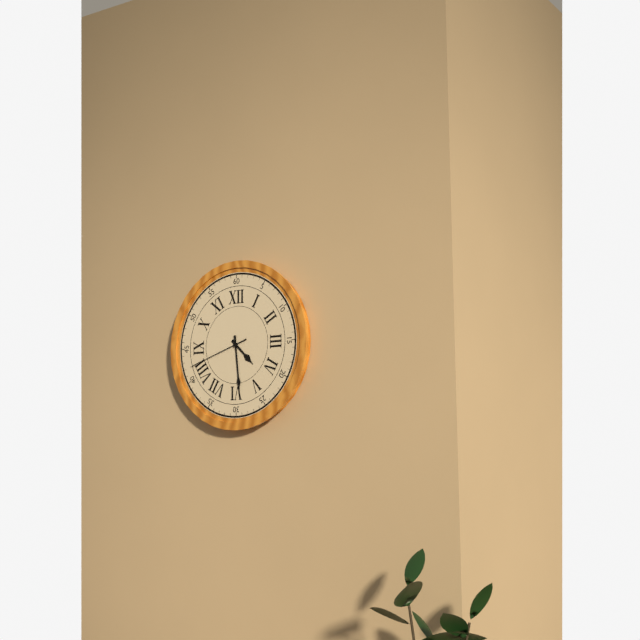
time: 4:29:42
